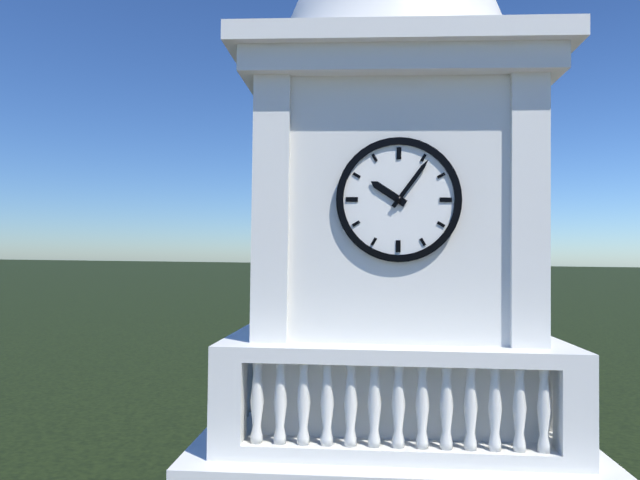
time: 10:06
